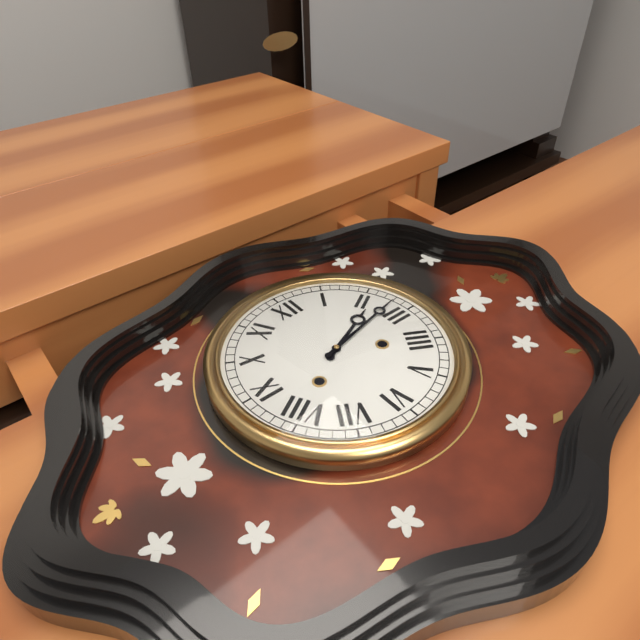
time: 2:13
